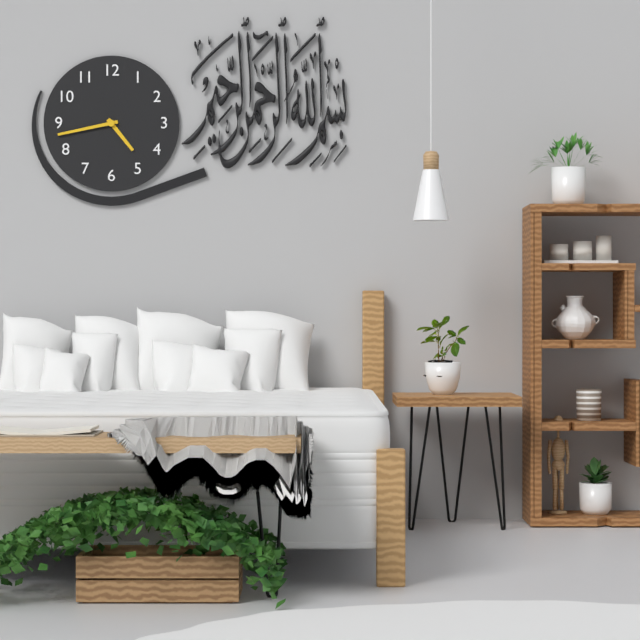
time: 4:43
